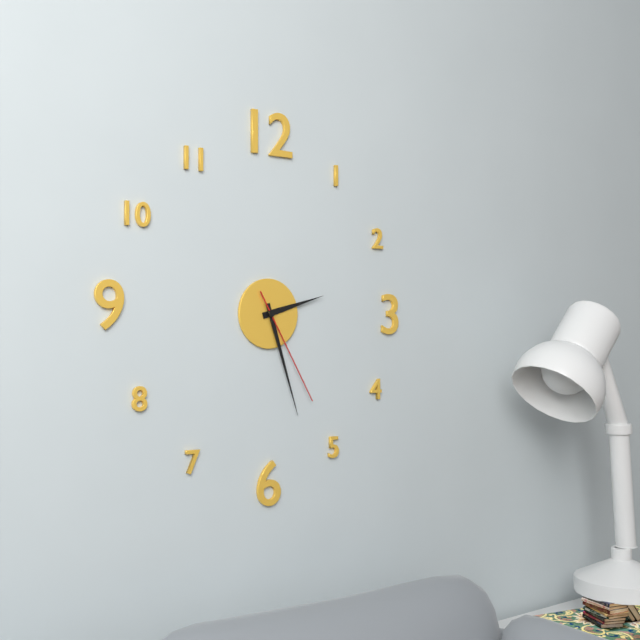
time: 2:27:25
